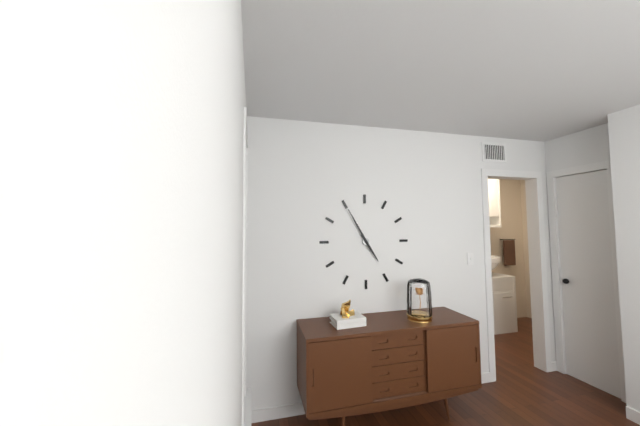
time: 4:55
